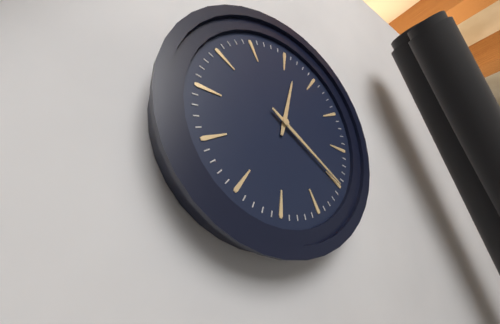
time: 12:20
